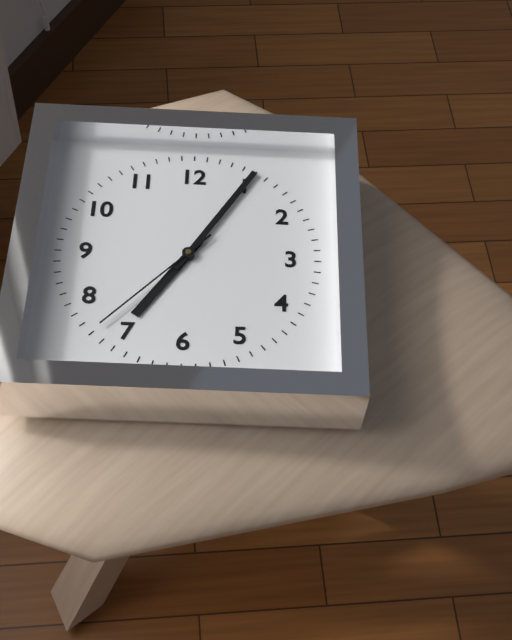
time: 7:05:37
